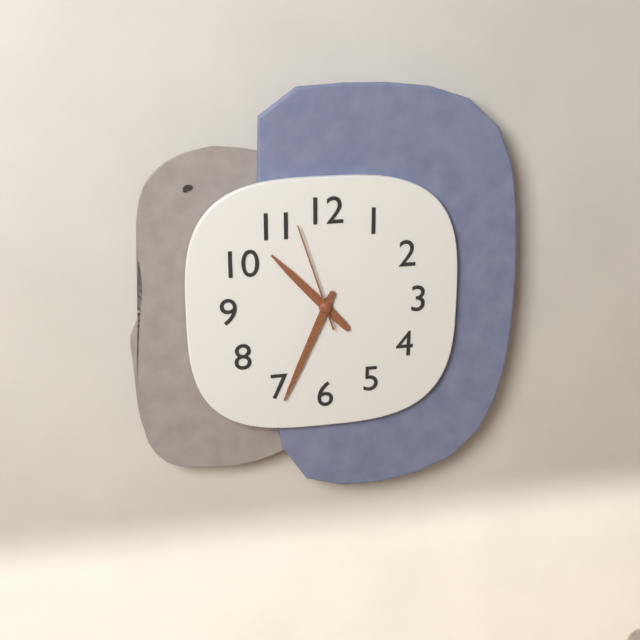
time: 10:34:57
